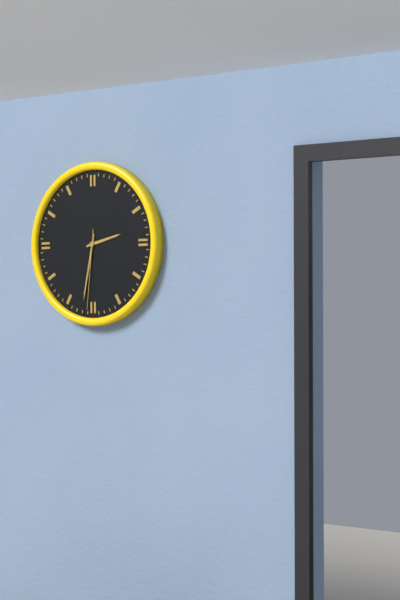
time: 2:32:31
